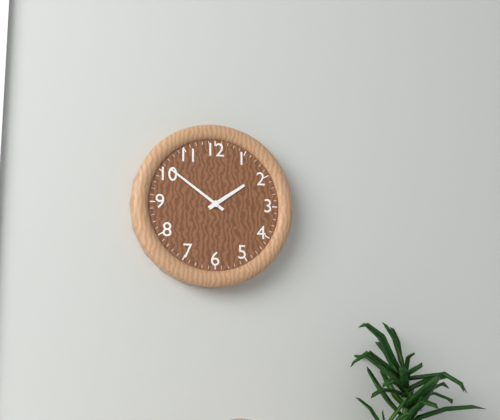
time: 1:51
